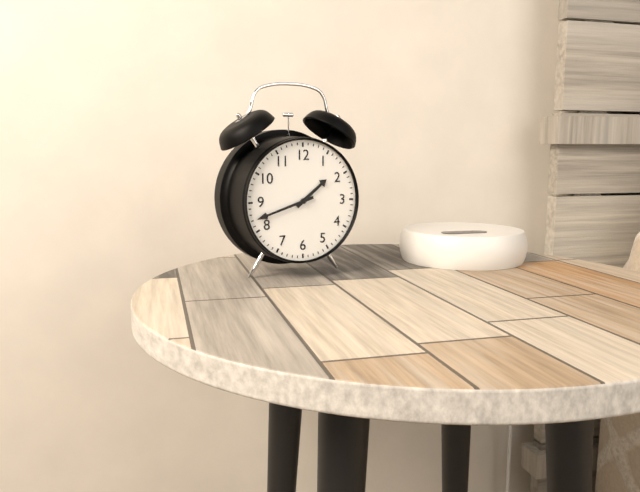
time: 1:42
